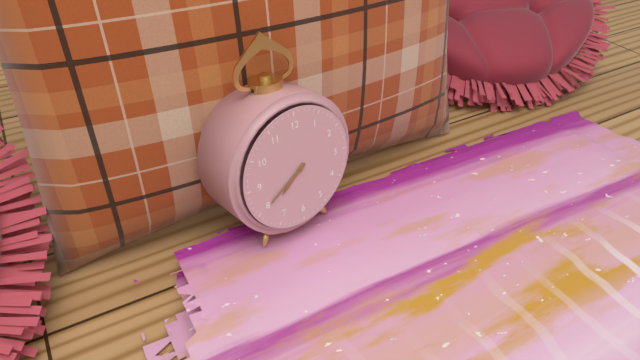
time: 7:40
